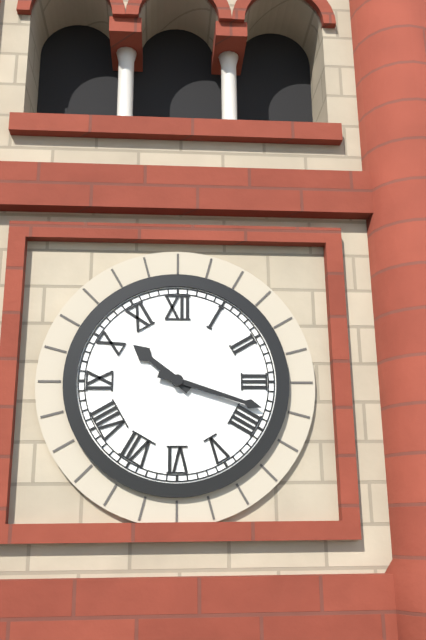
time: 10:18
